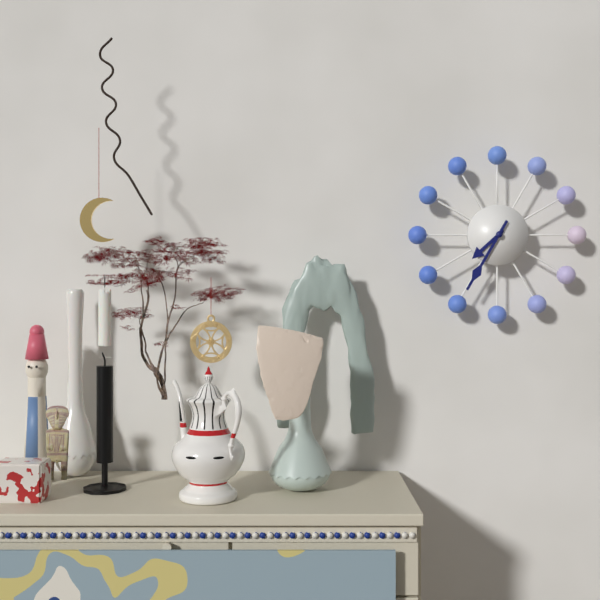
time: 7:35
